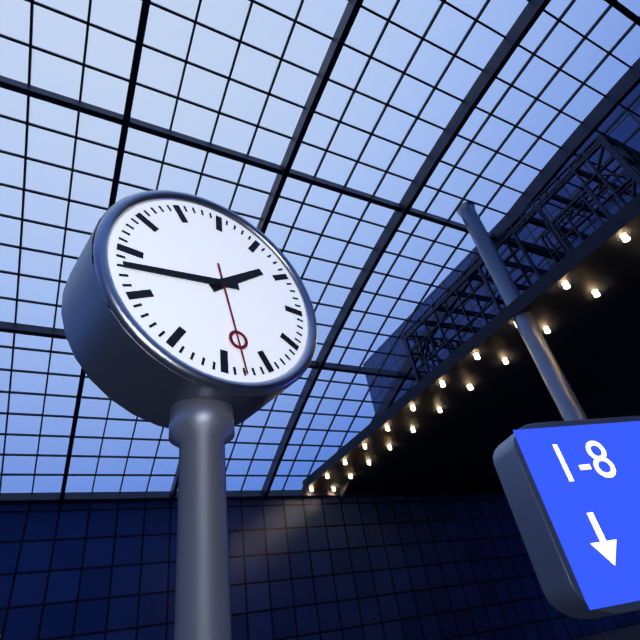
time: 1:43:28
